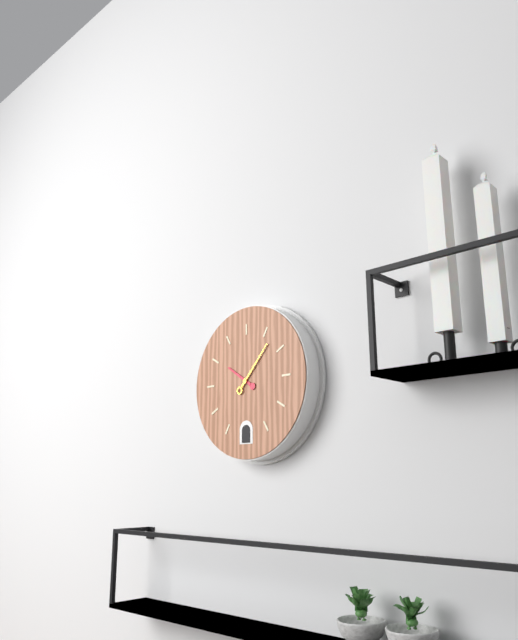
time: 10:07
